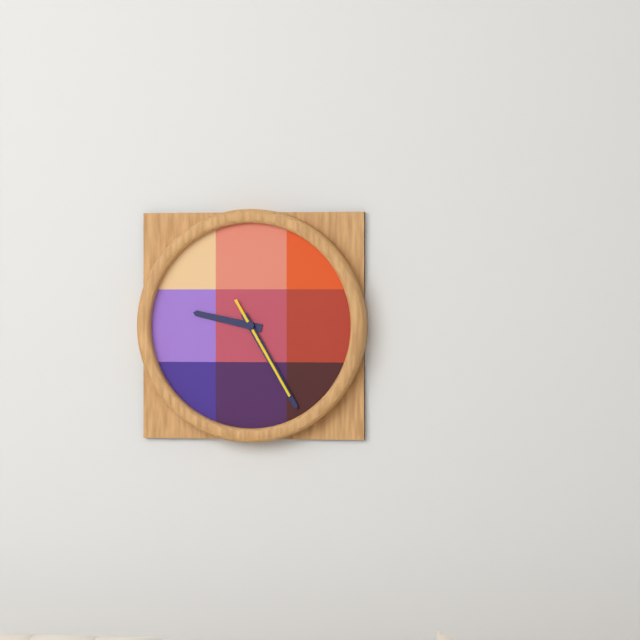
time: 9:25:25
